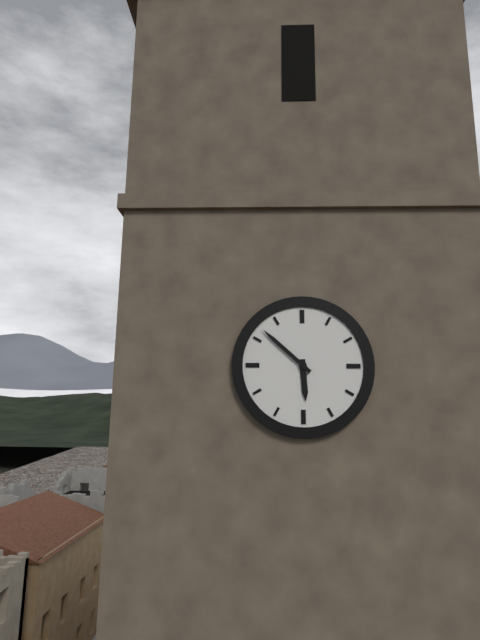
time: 5:52
